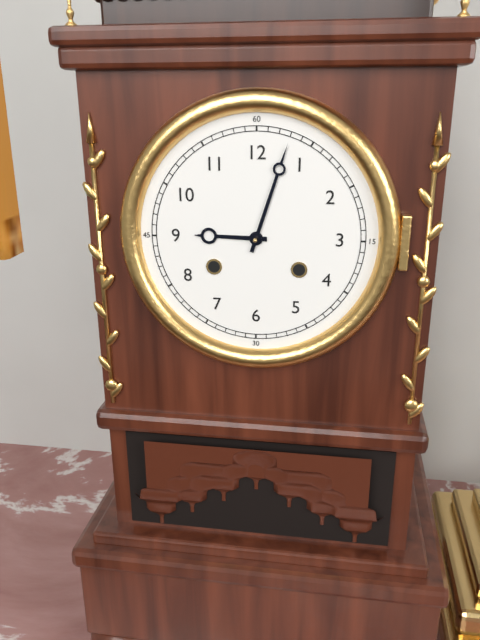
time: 9:03
